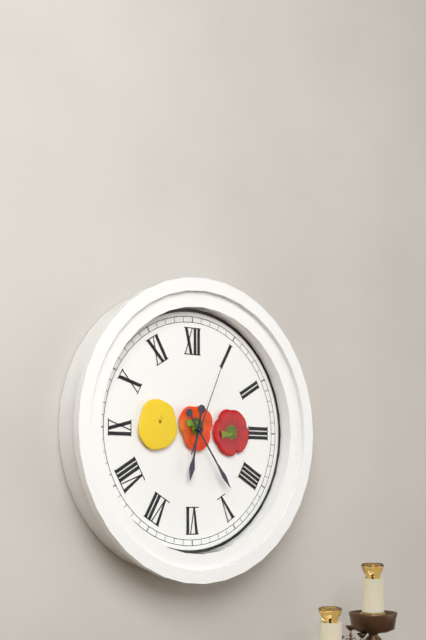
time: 6:24:04
